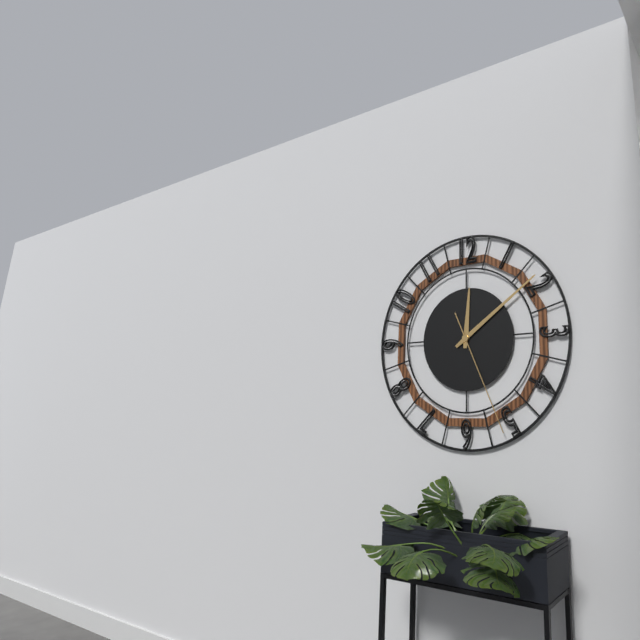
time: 12:09:26
